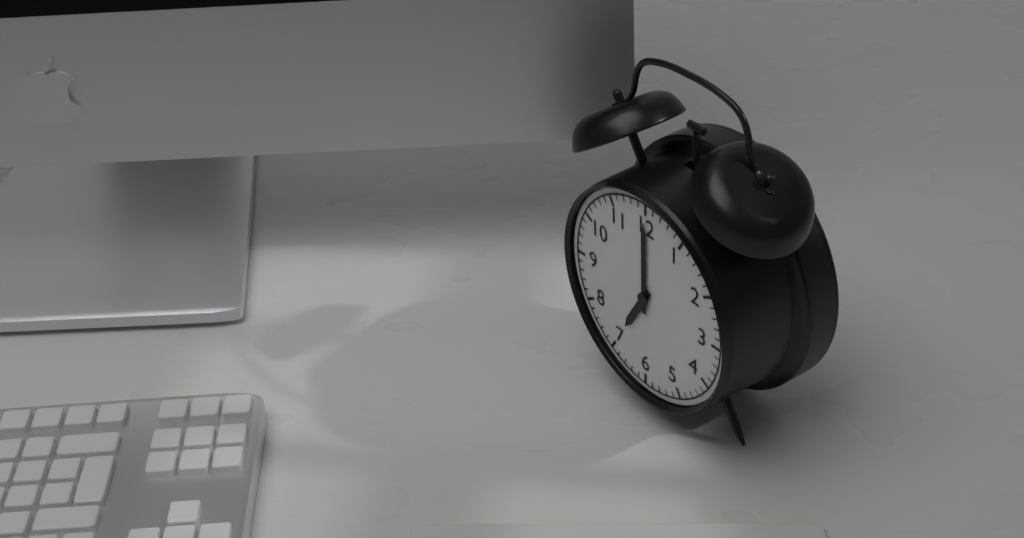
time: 7:00
